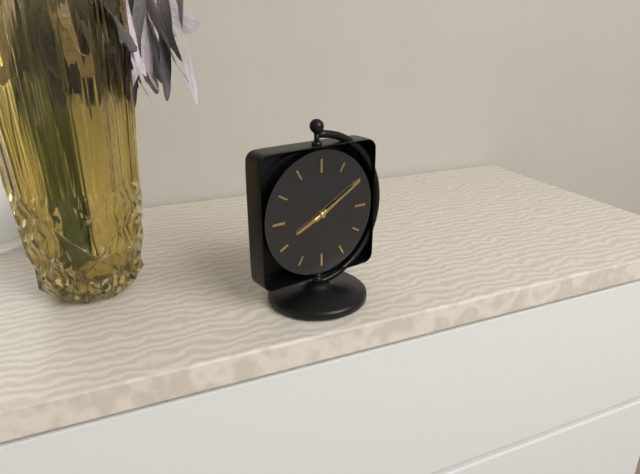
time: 8:10
